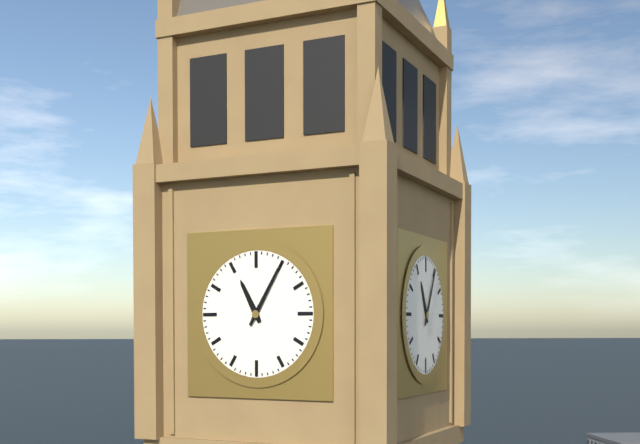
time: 11:05
